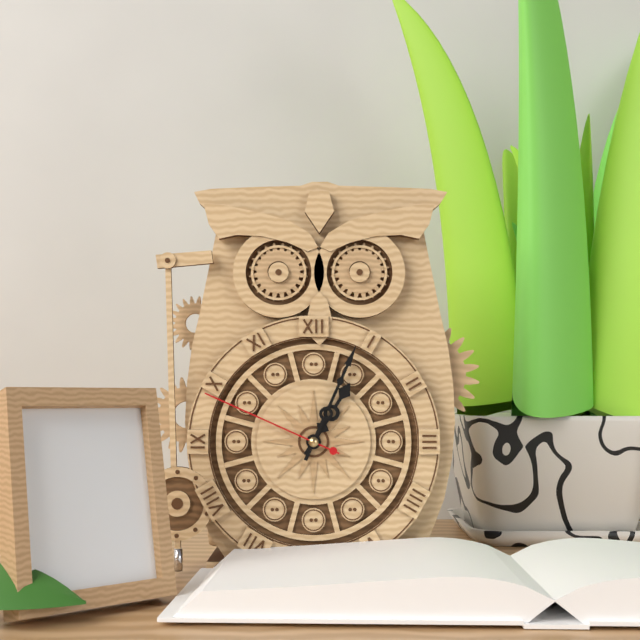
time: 1:04:49
